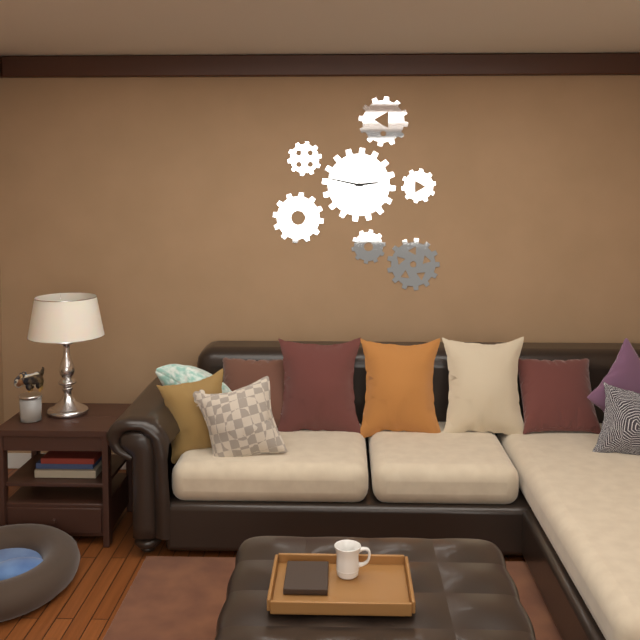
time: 2:47
